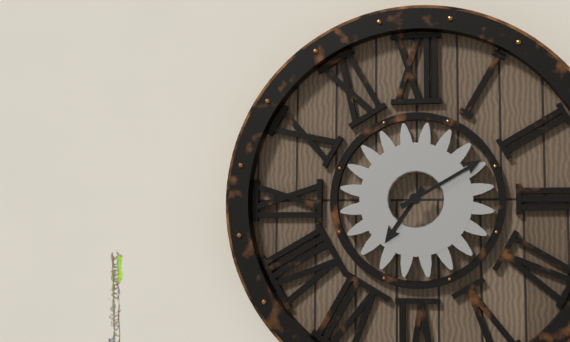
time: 7:10
